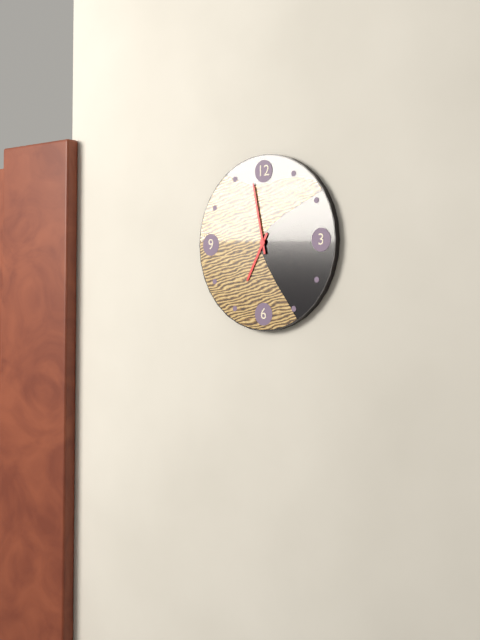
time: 6:58
